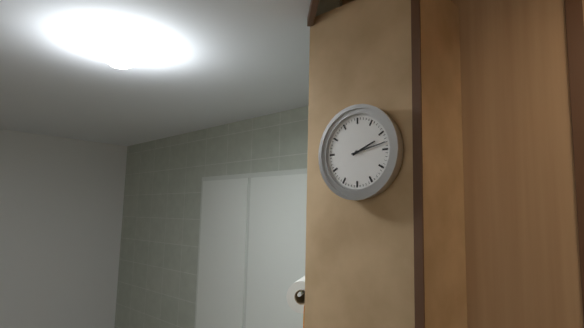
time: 2:13
